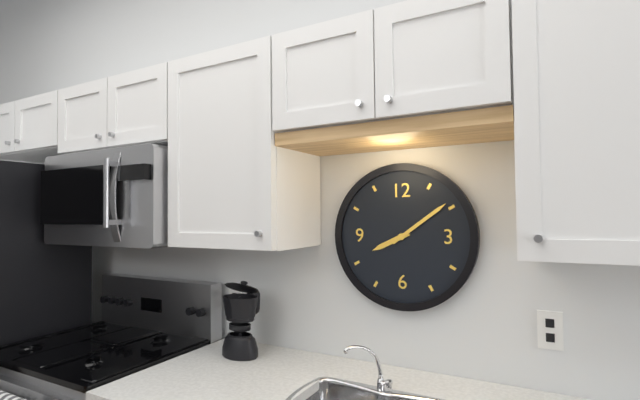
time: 8:09
